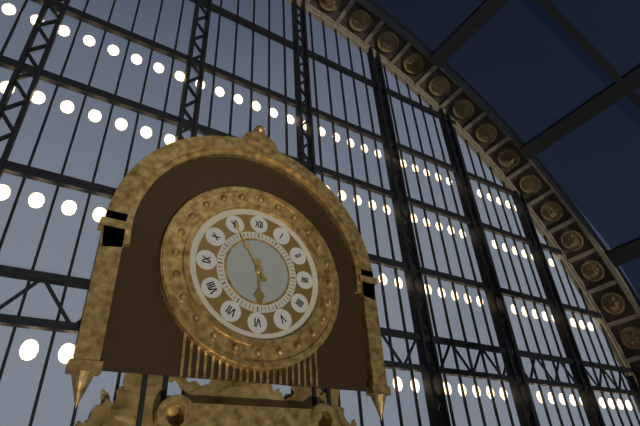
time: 5:55
